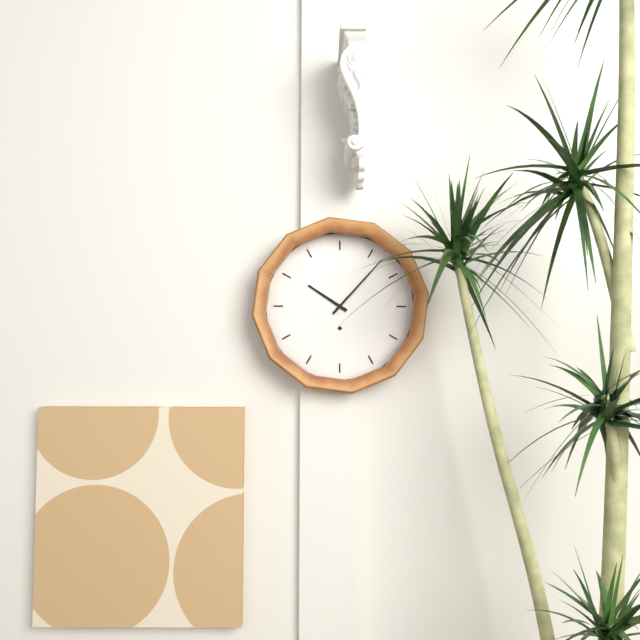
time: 10:07
